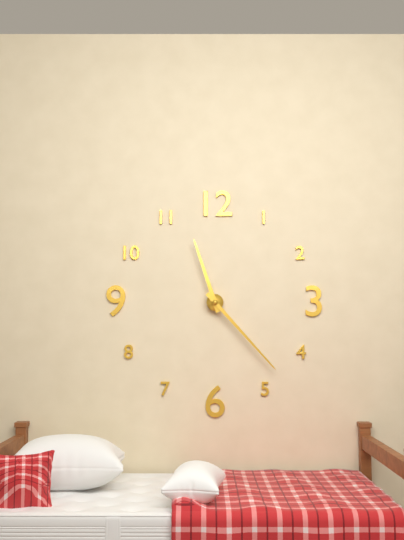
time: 11:23
